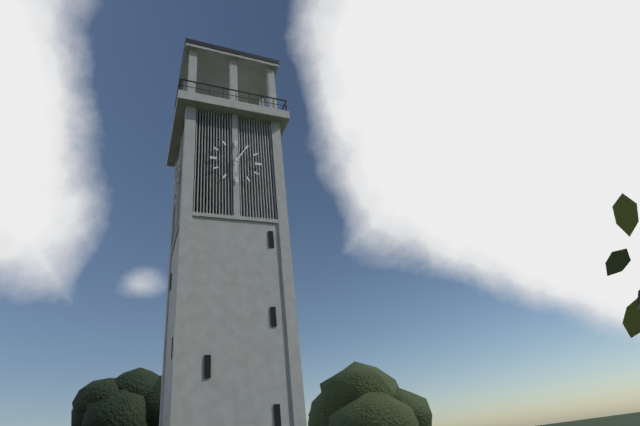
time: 6:05
